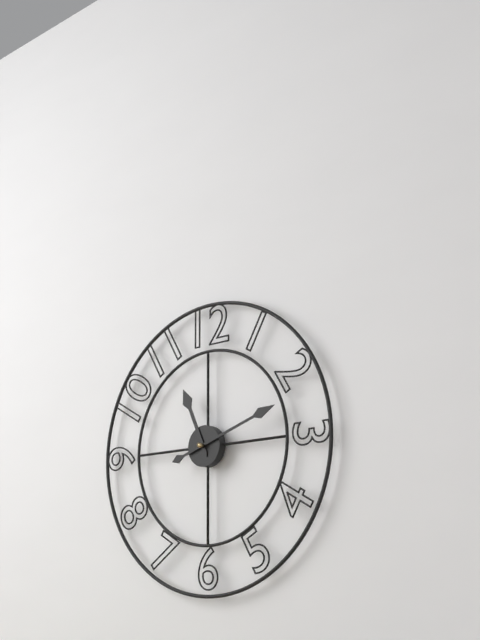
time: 11:12
